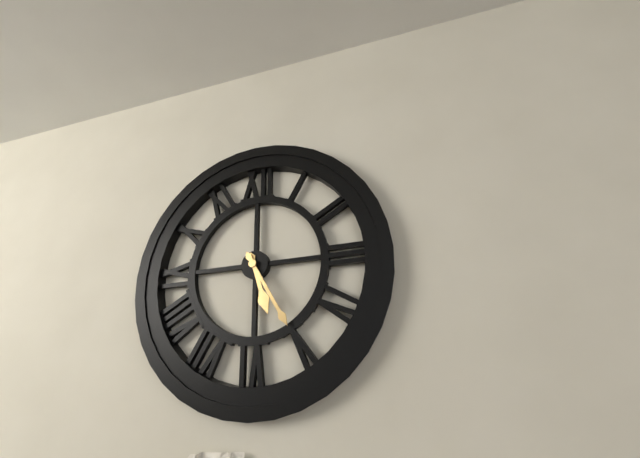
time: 5:25
